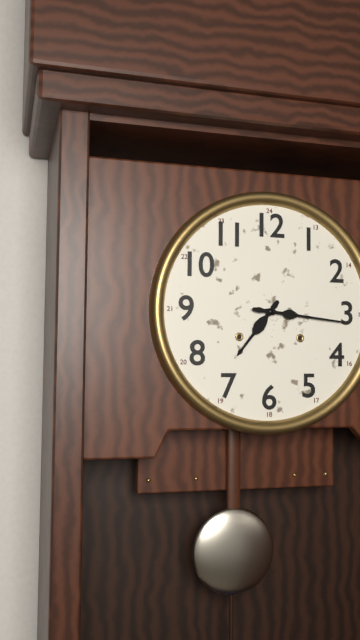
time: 7:16
